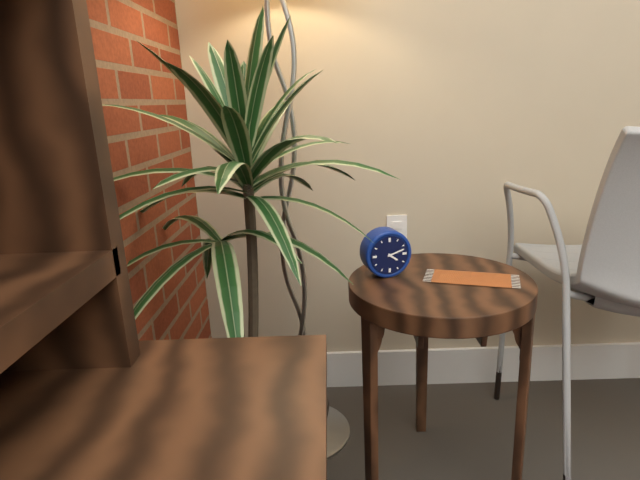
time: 4:12
